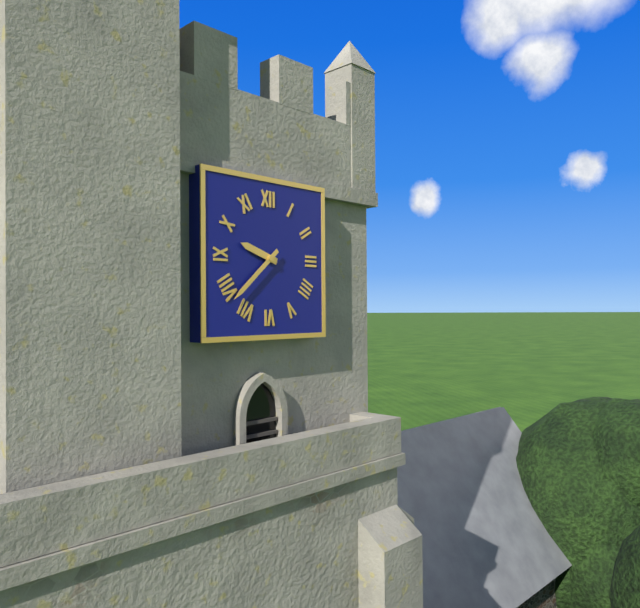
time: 9:38
